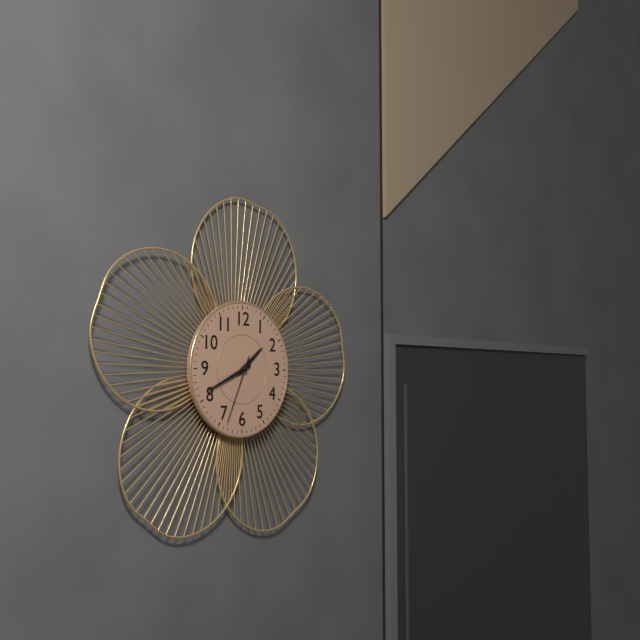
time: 1:41:34
